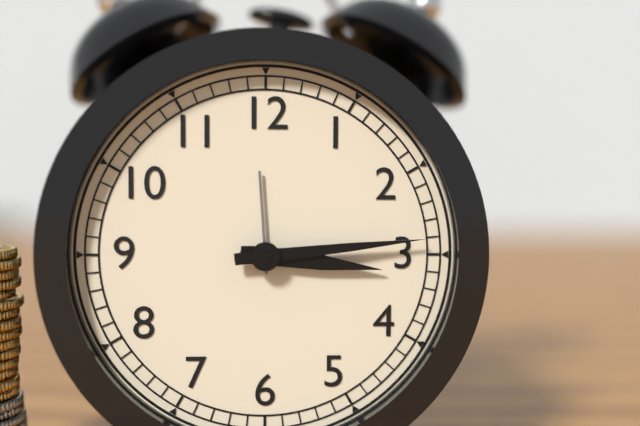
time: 3:14
